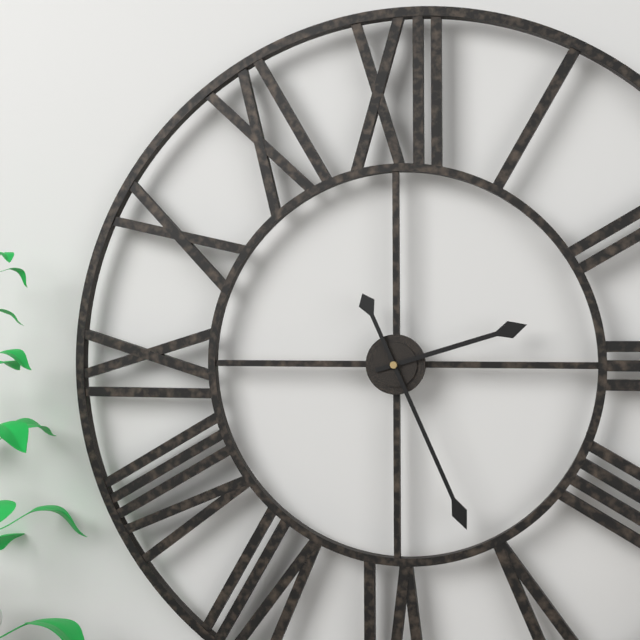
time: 2:26
